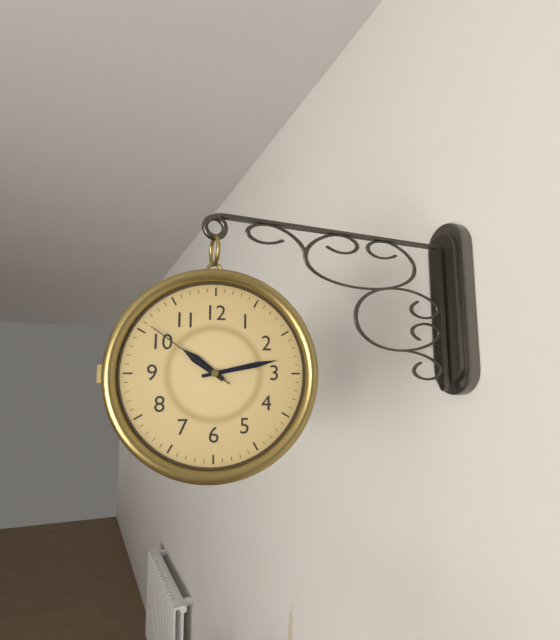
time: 10:13:51
